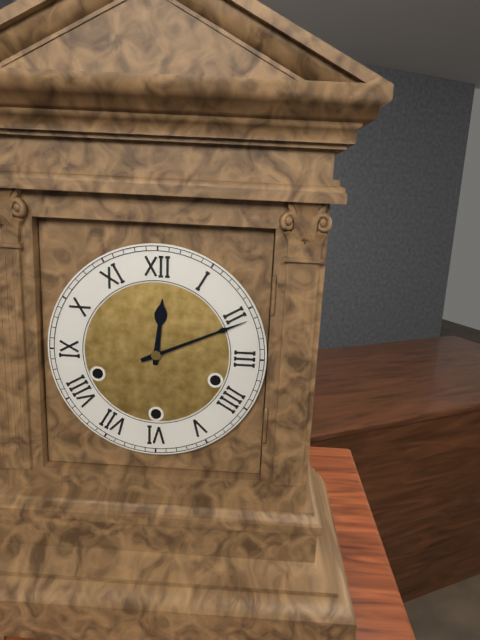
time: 12:11
